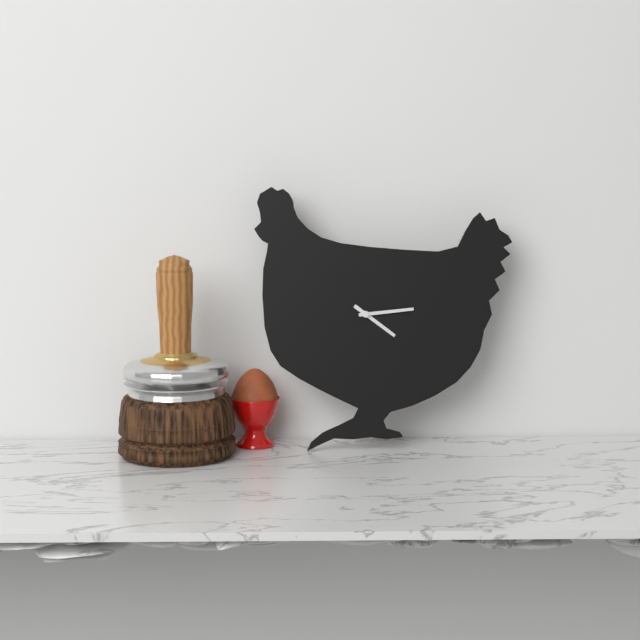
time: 4:14
